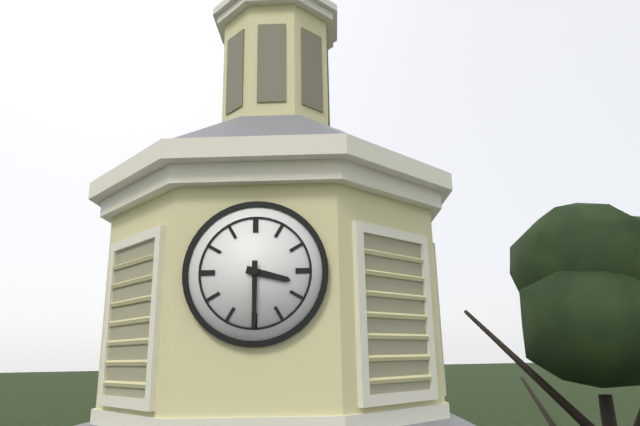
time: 3:30
